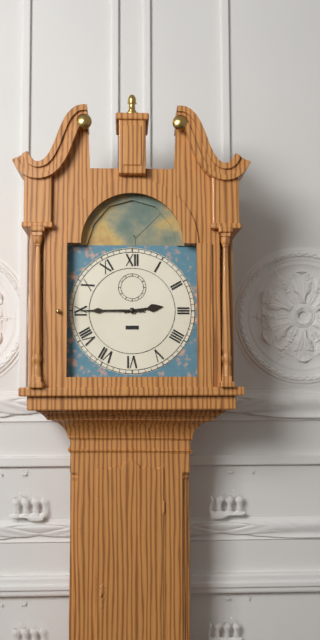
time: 2:45
